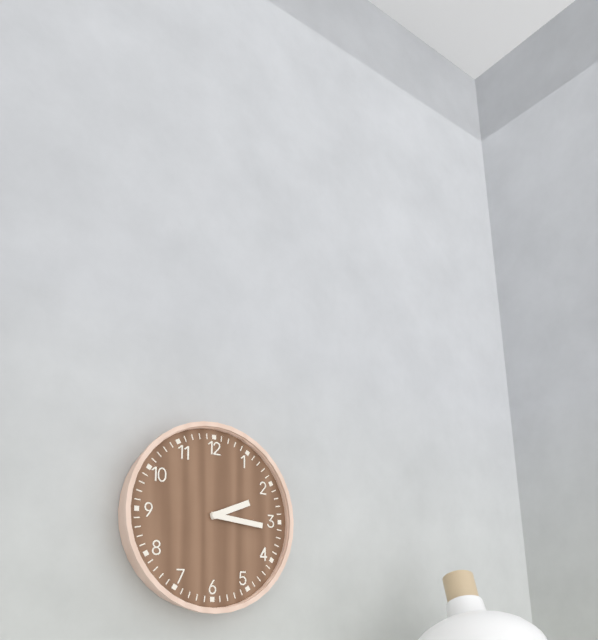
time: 2:16
